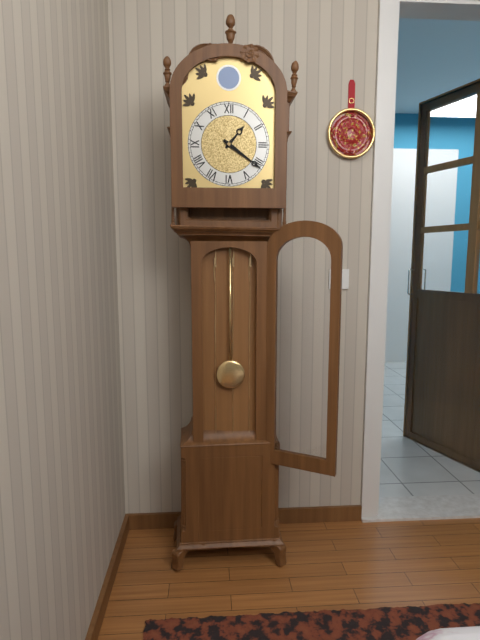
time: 1:21
